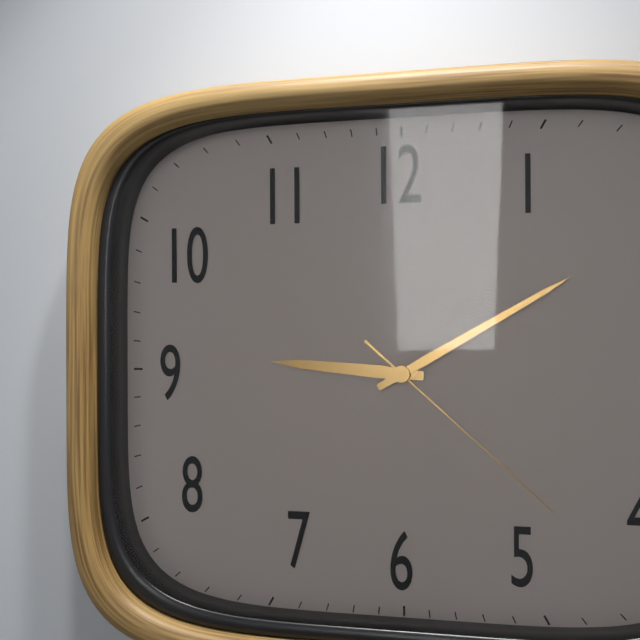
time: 9:10:22
